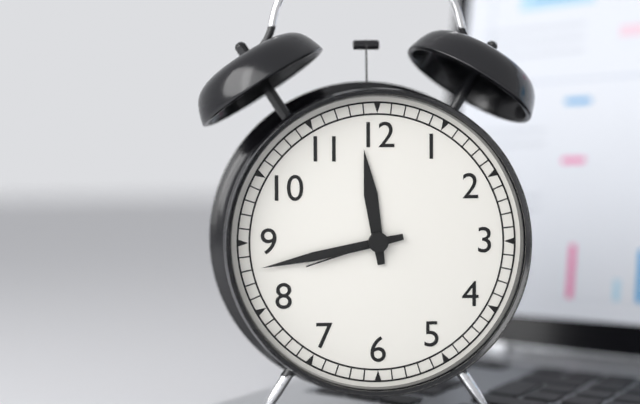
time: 11:43:42
